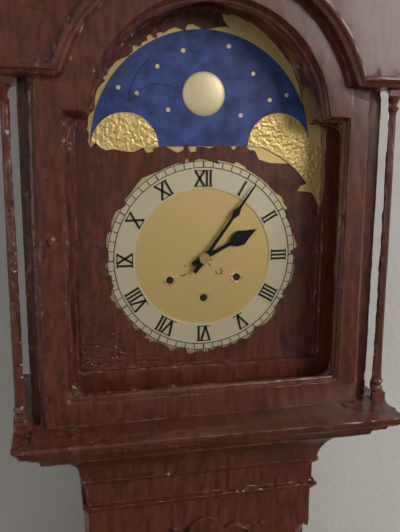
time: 2:06
